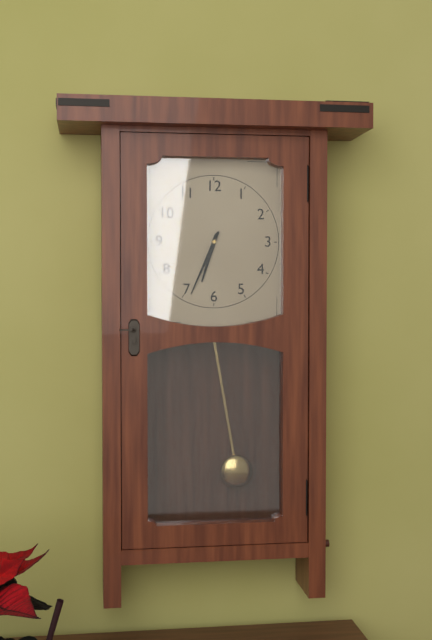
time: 6:34
